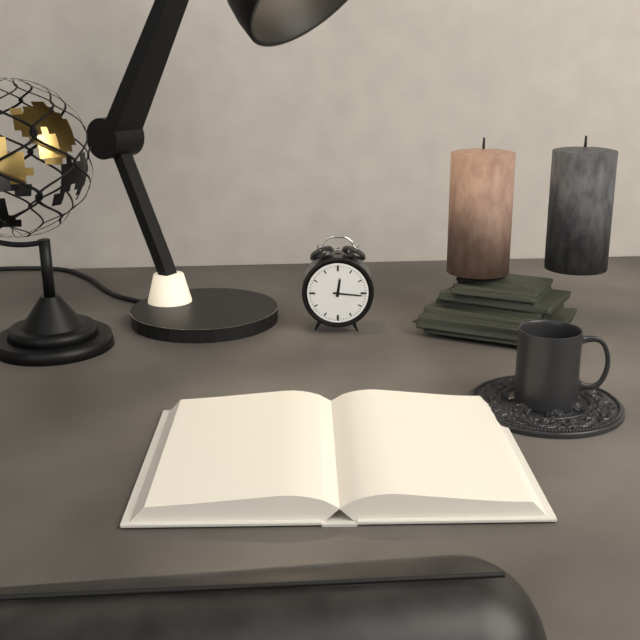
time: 12:16
